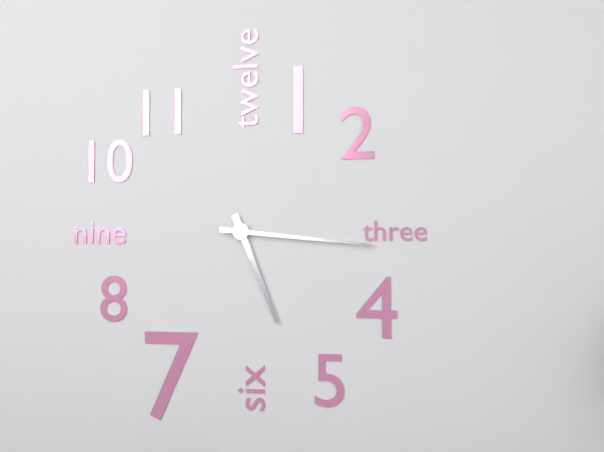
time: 5:16
